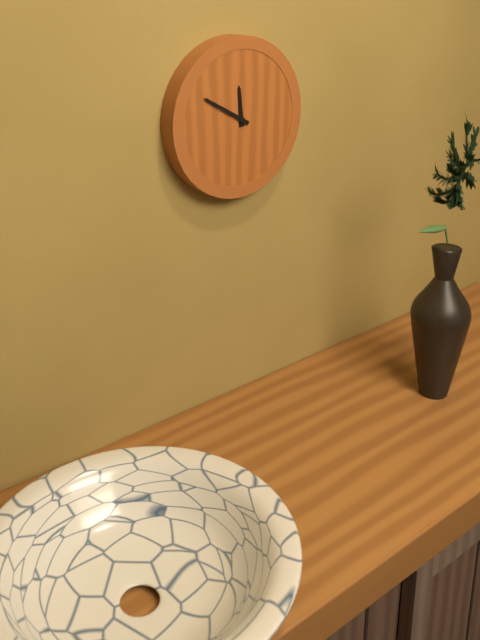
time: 11:50
